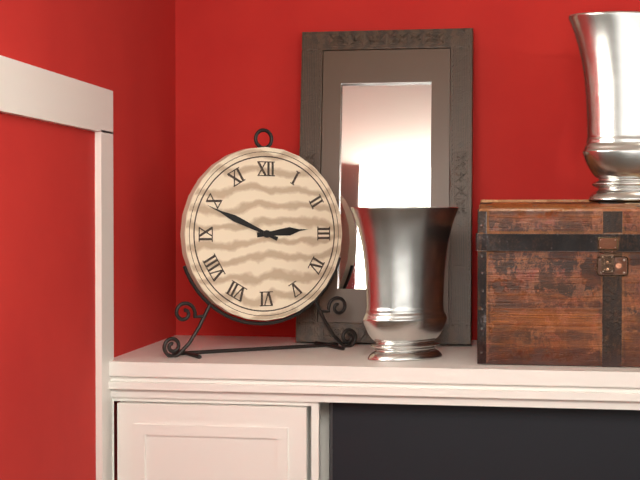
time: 2:49
